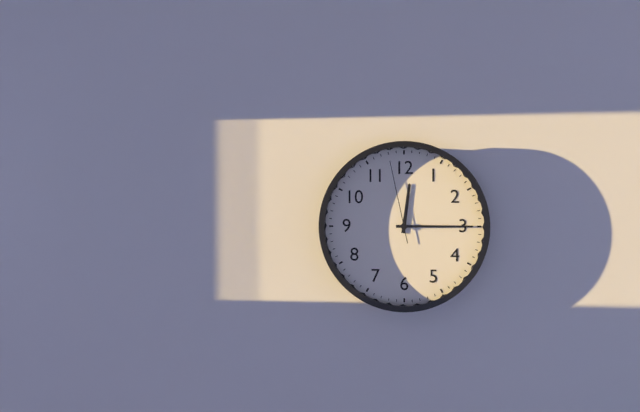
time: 12:15:58
